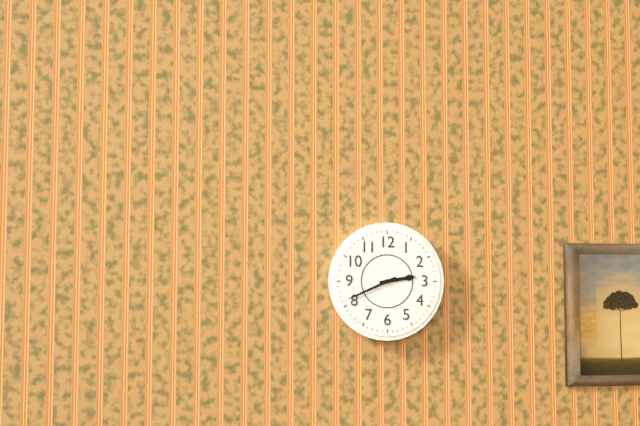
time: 2:41
